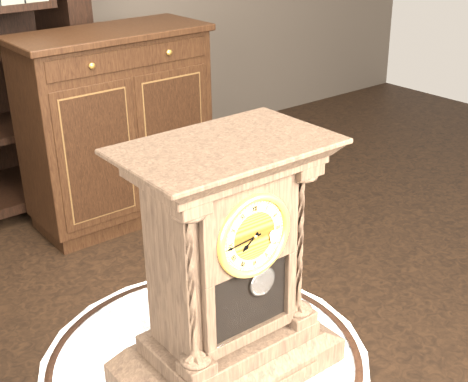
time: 7:44
